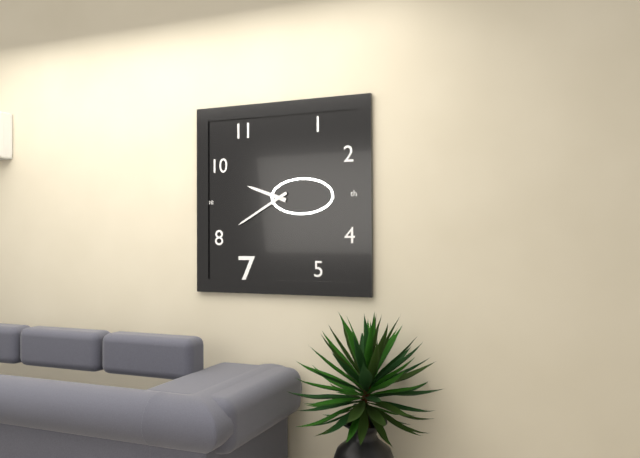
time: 9:40
